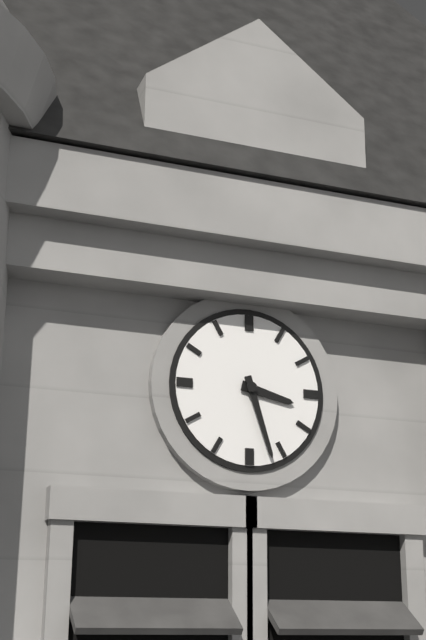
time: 3:27
